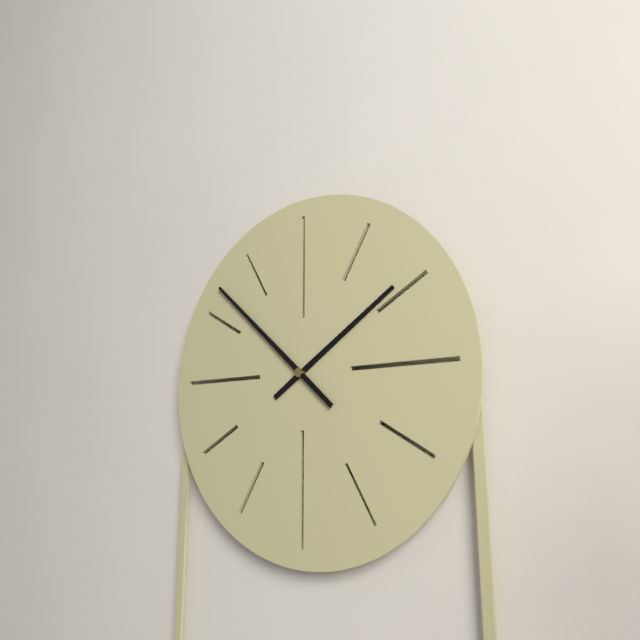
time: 1:52
